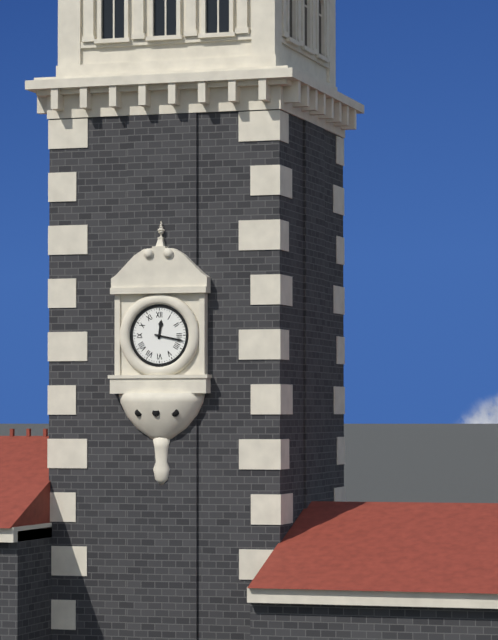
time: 12:17
